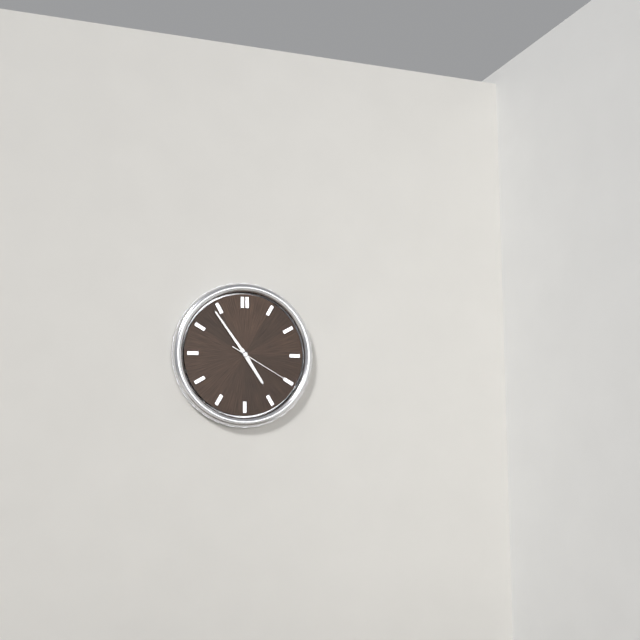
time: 4:54:20
